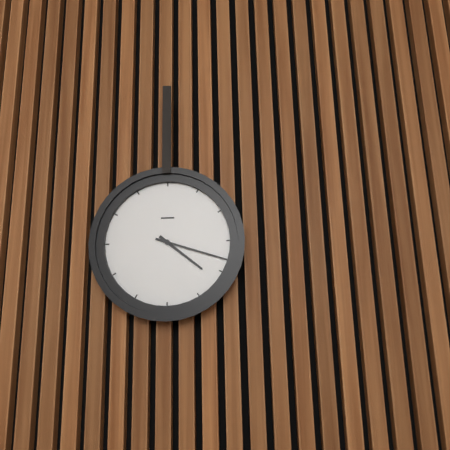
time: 4:18
